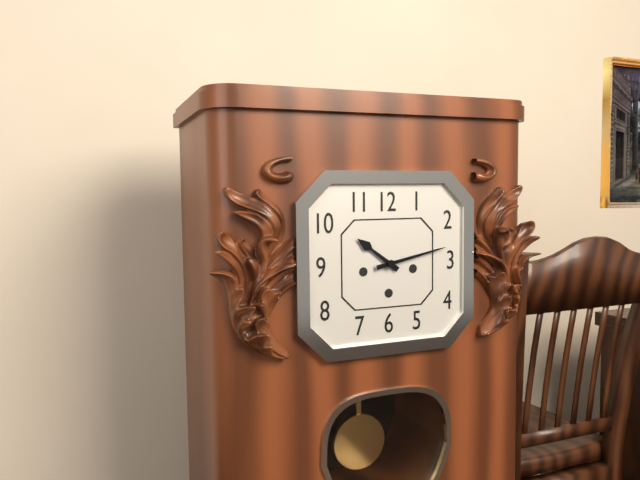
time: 10:13
